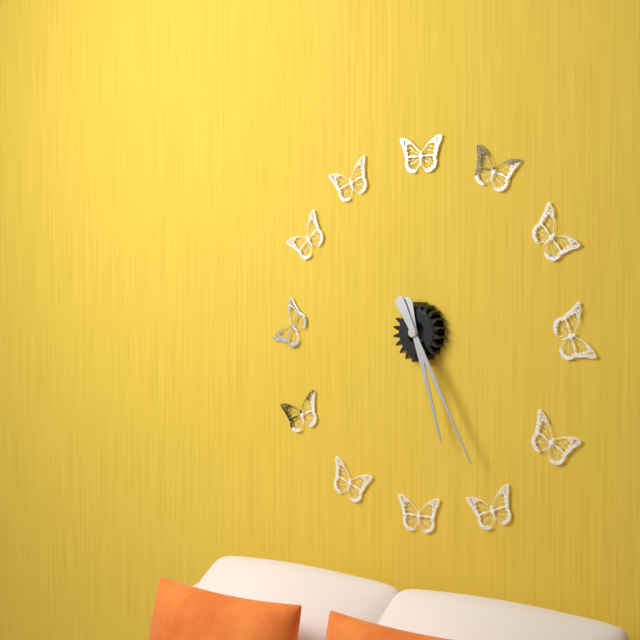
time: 5:25
